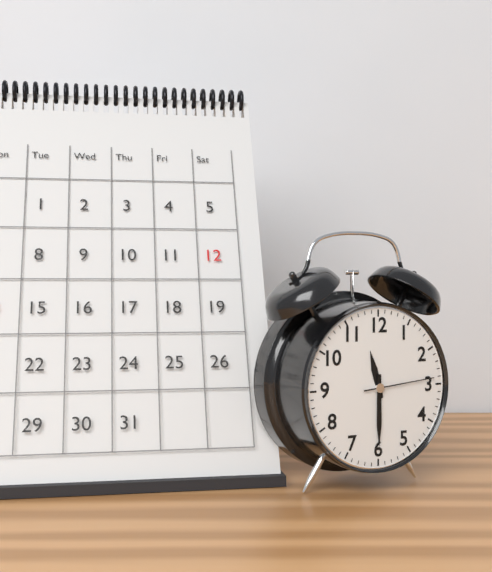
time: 11:30:14
